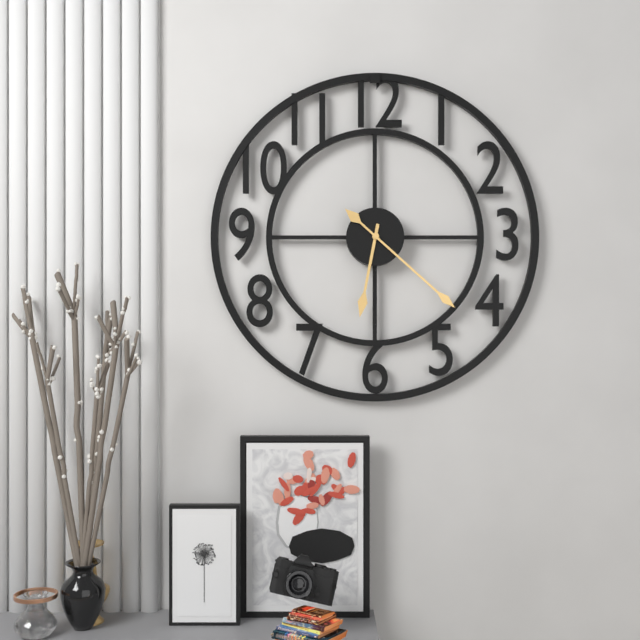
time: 6:22
